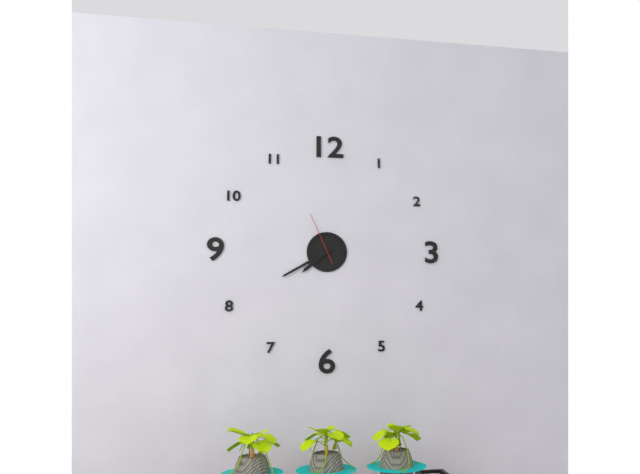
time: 7:40:56
